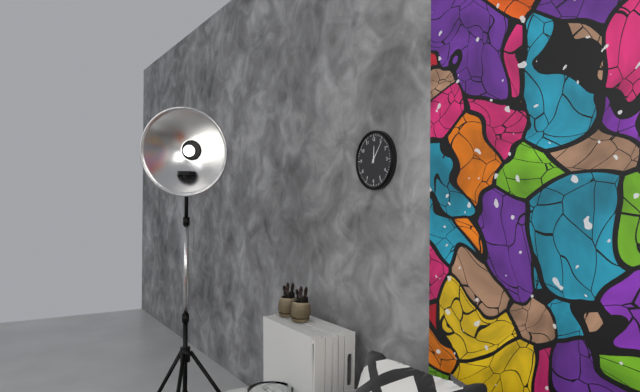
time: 12:06
